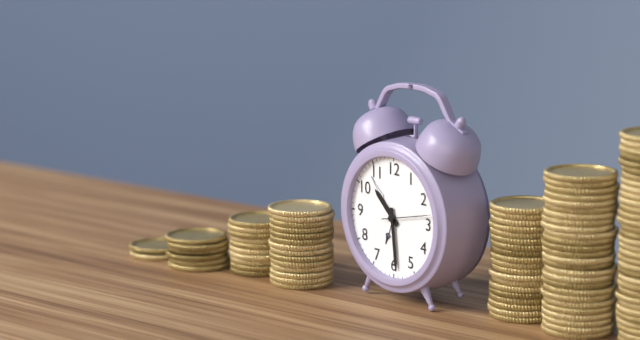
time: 10:29
